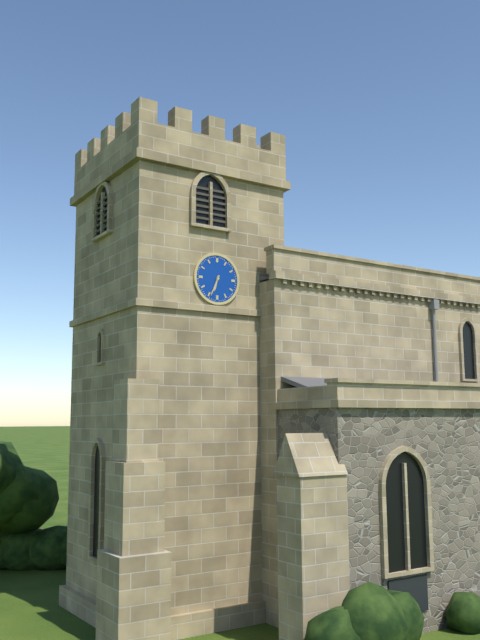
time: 6:34
